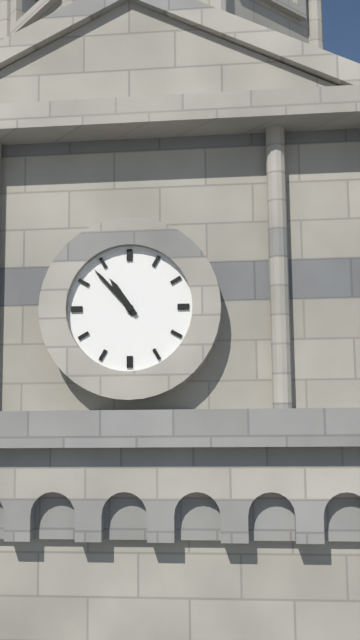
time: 10:53
